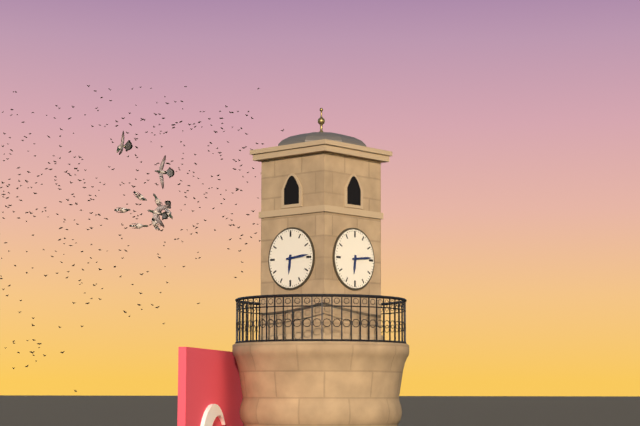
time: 6:14
